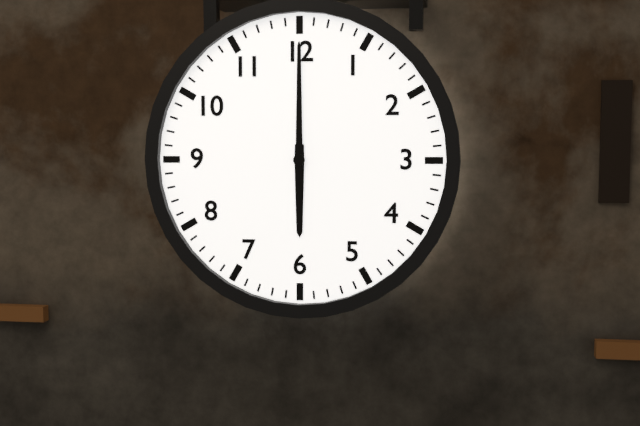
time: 6:00
